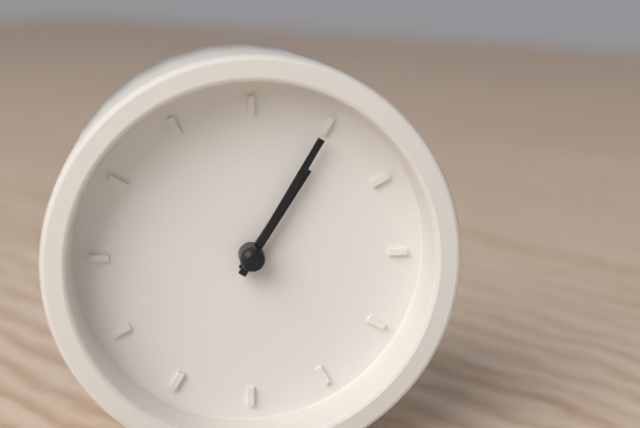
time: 1:05
